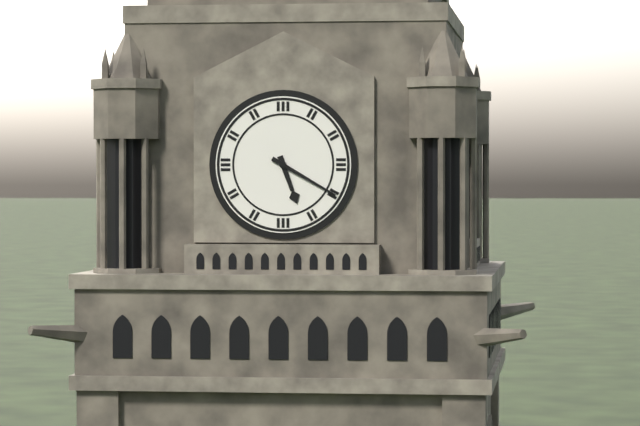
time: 5:20
